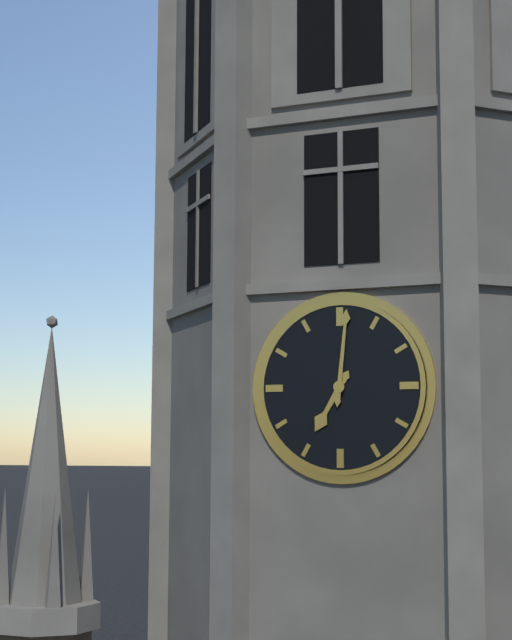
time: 7:01
